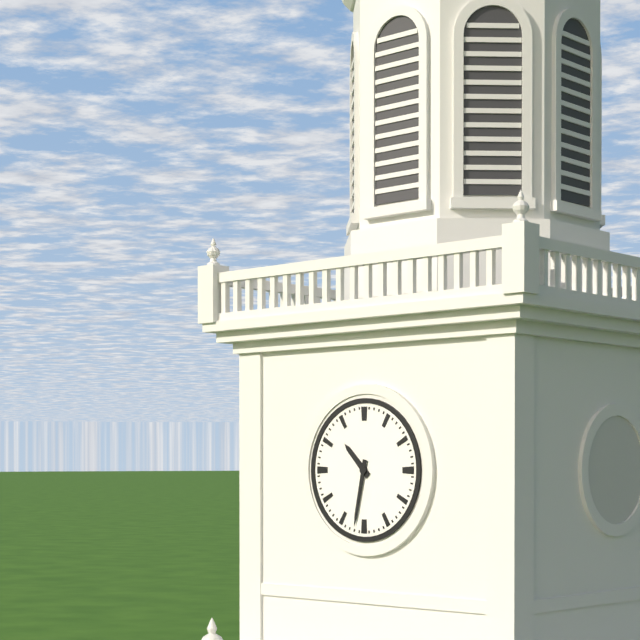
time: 10:32
